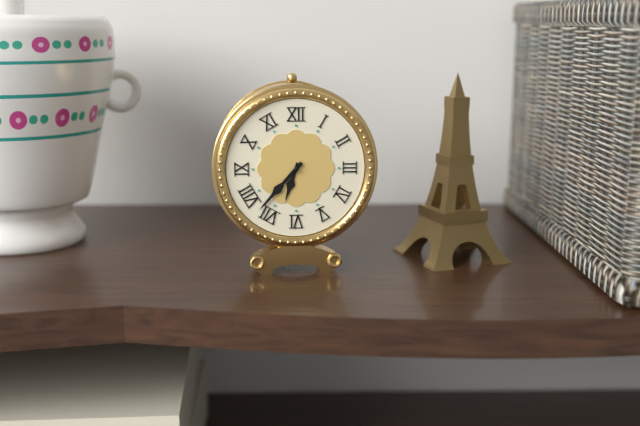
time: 6:37
